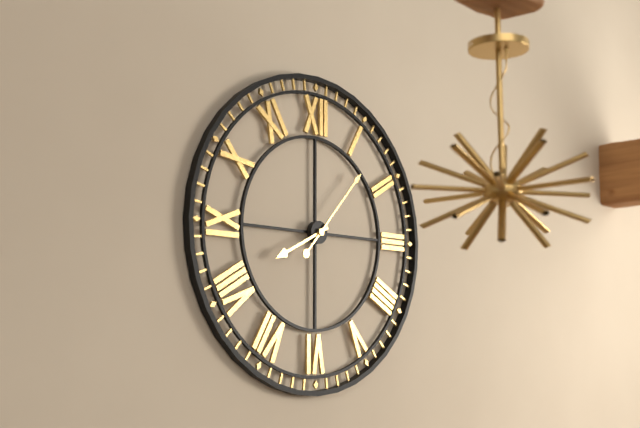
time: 8:07
